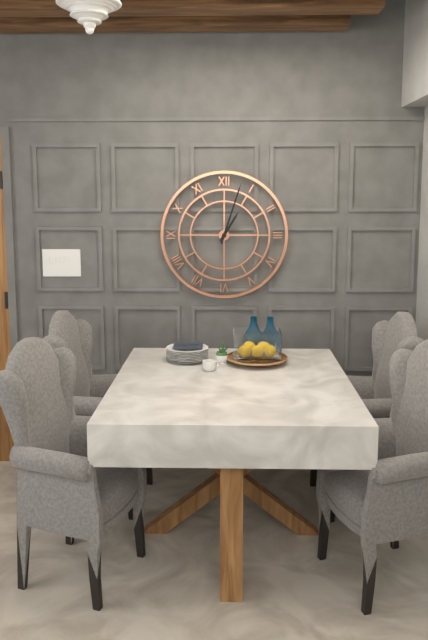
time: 1:03
